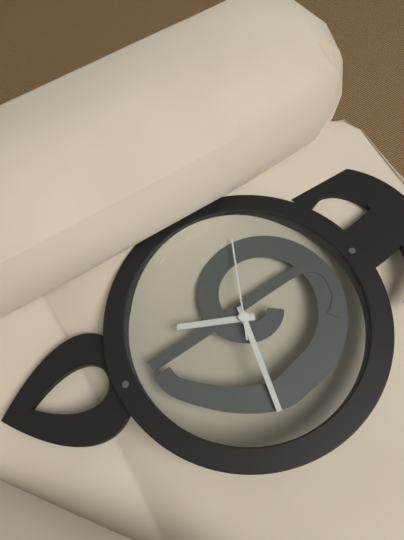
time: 12:47:19
